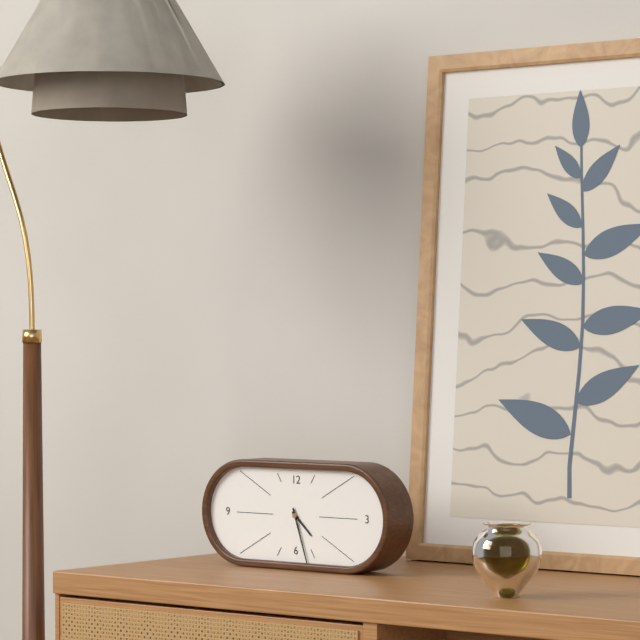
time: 4:27
